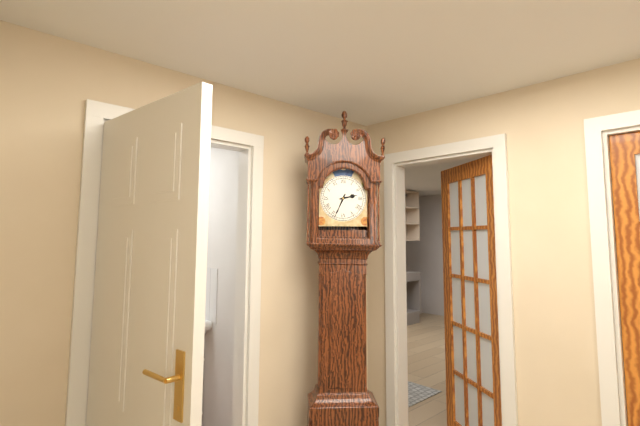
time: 2:34
